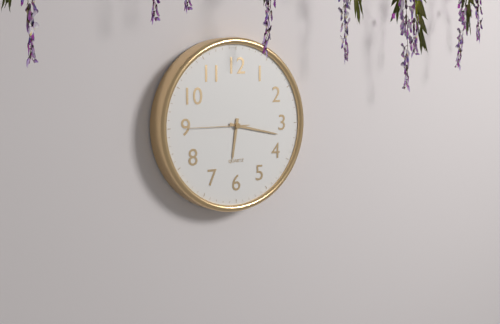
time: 6:17:45
